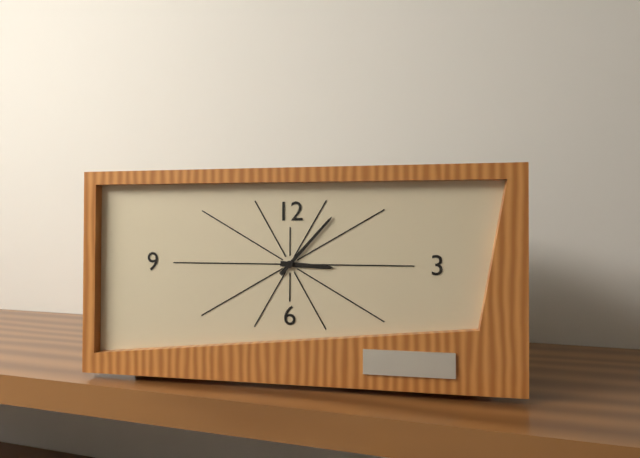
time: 3:07
